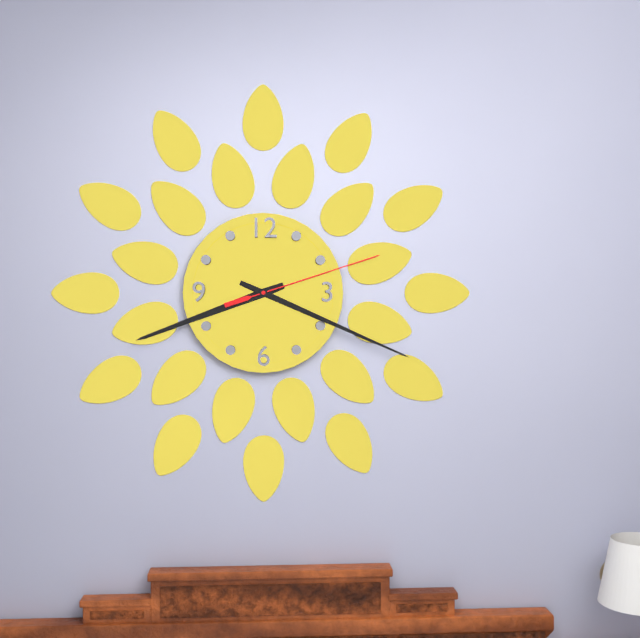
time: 8:19:12
